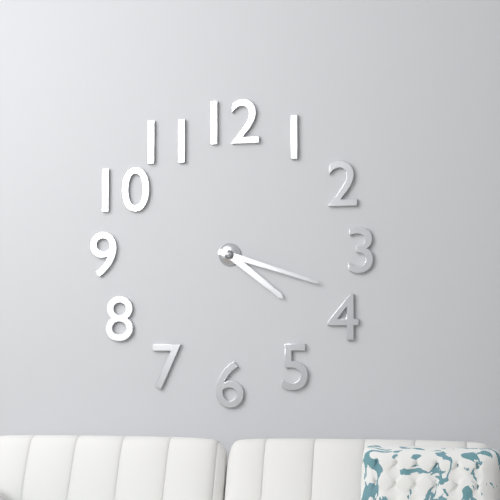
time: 4:18
